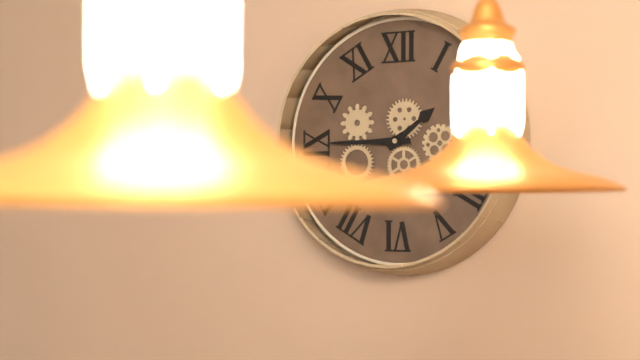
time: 1:45
